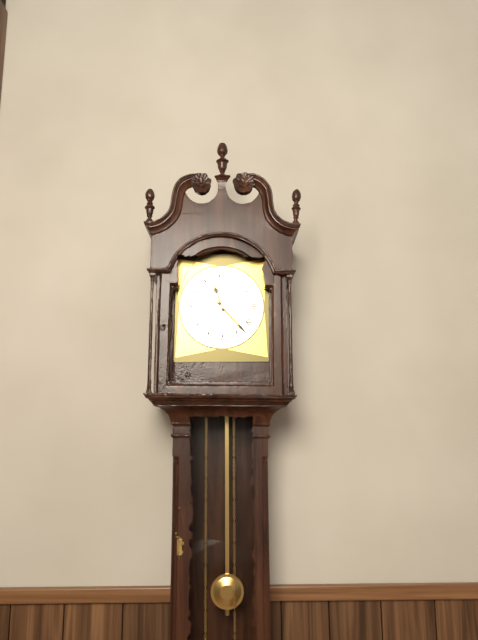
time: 11:23
